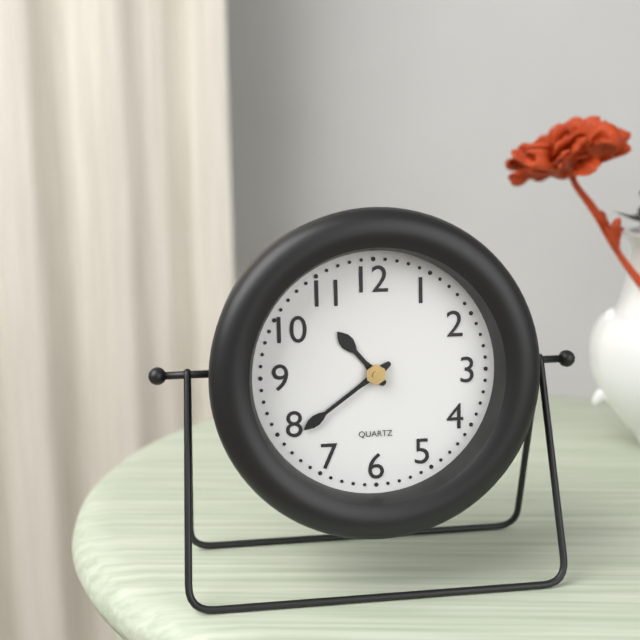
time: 10:39
